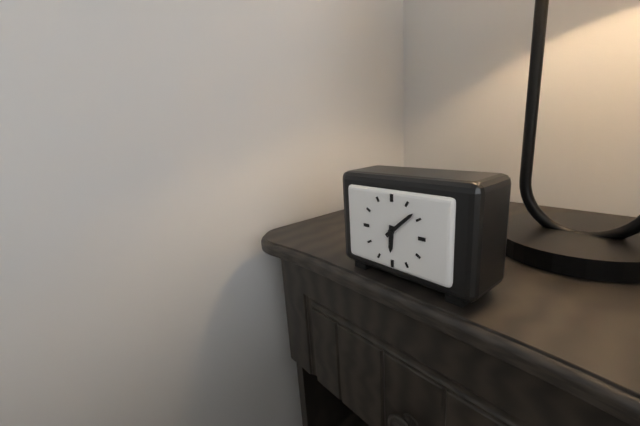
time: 6:08
